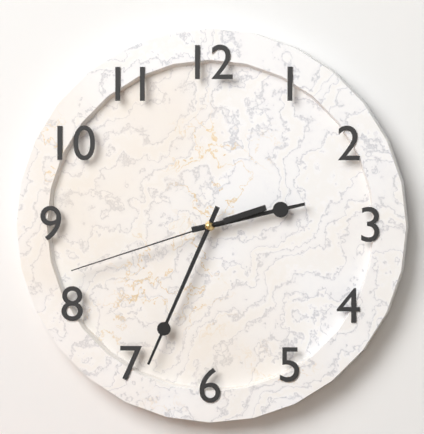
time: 2:34:42
